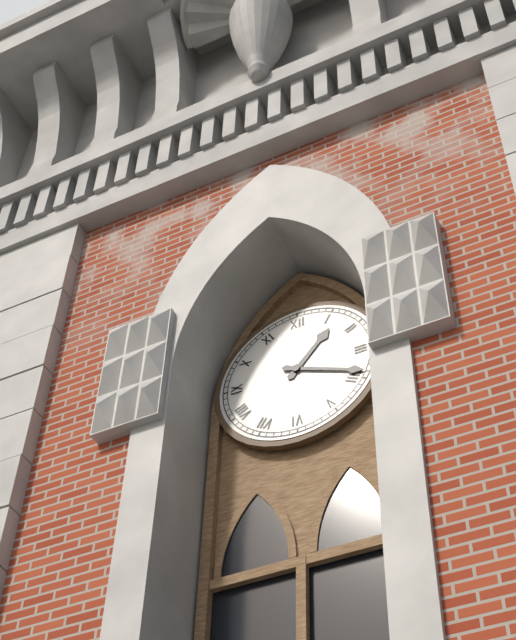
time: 1:19
